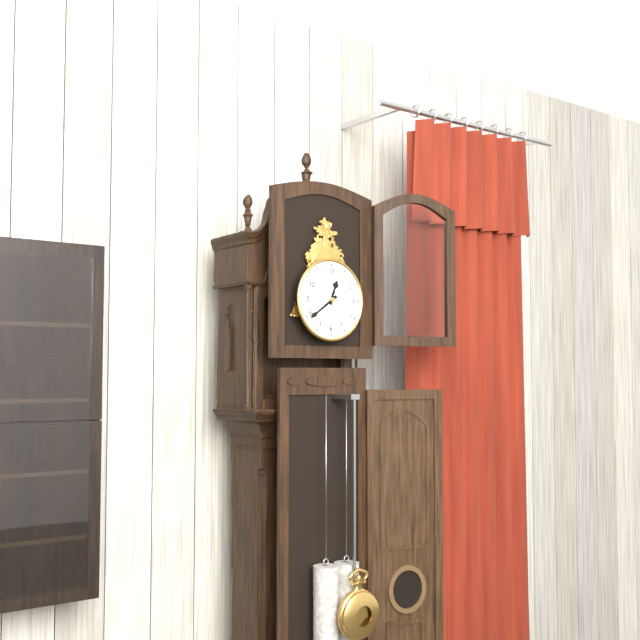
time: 12:39
